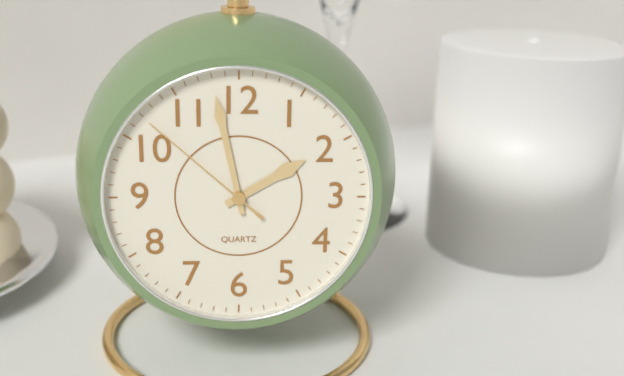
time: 1:58:52
